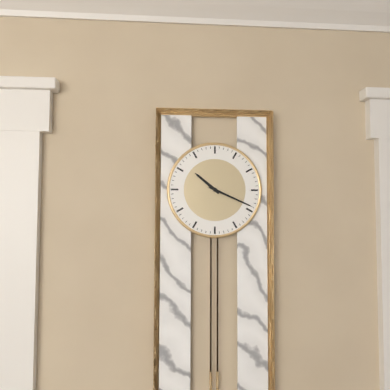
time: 10:19
